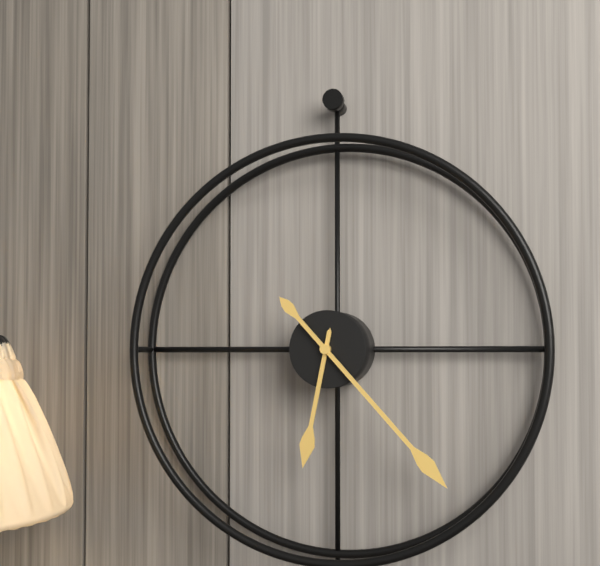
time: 6:23
